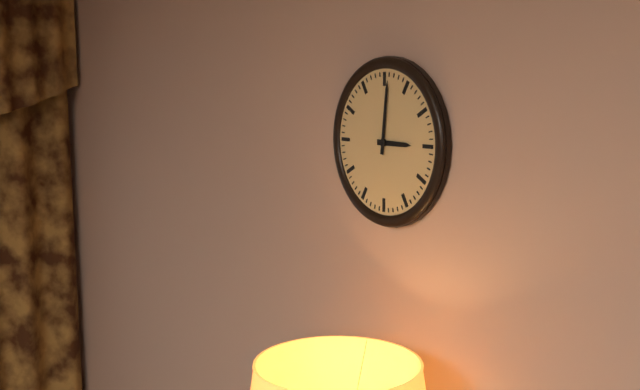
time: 3:01
